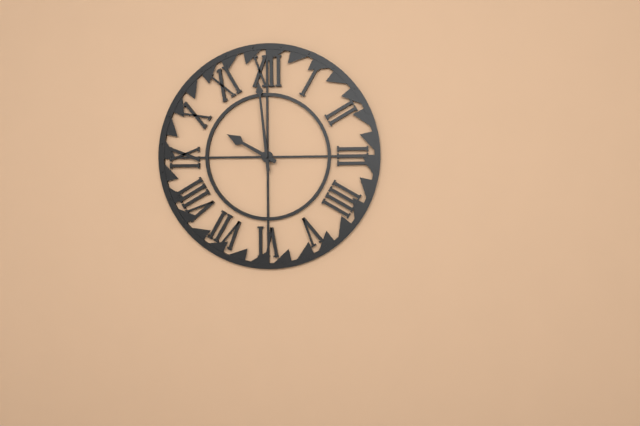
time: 9:59
